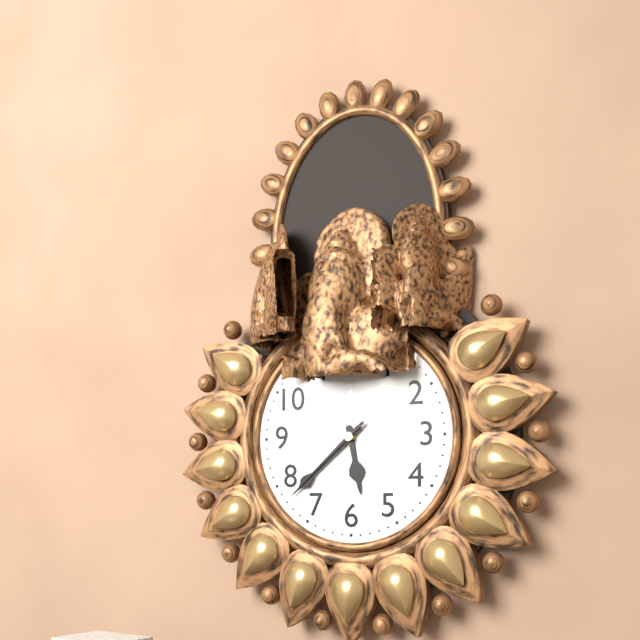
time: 5:38:38
